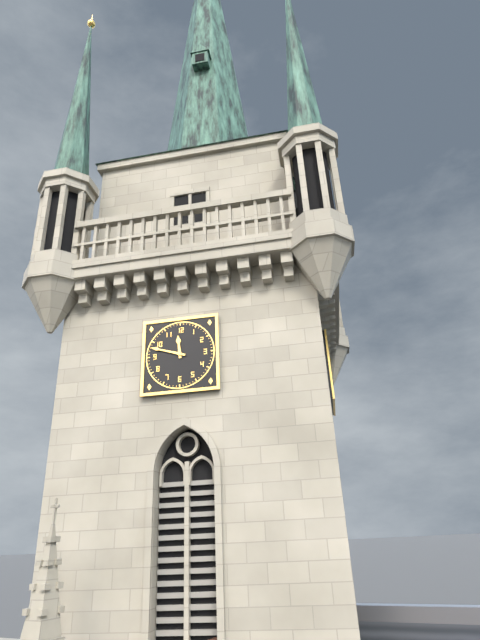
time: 11:48
